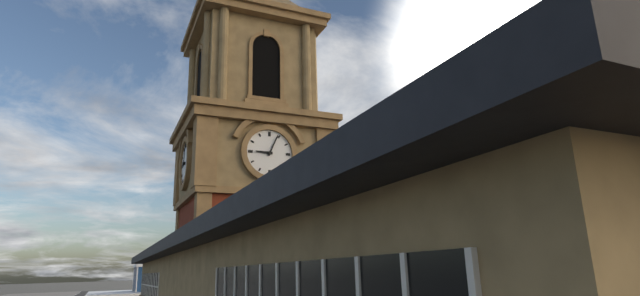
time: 9:04
